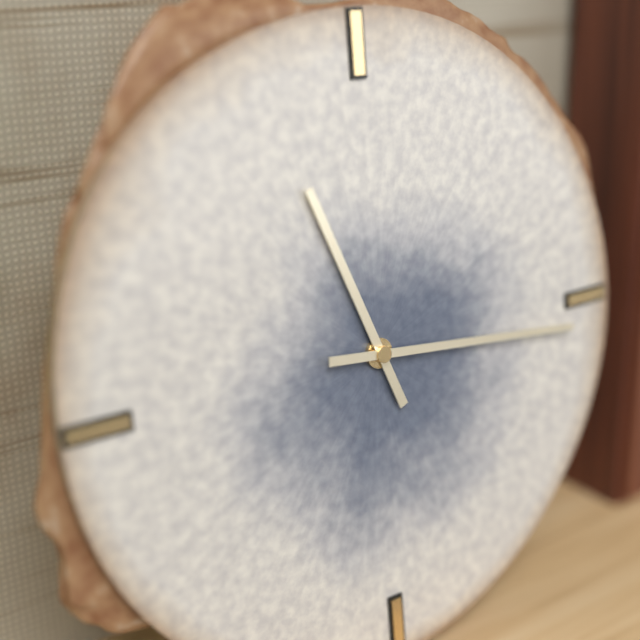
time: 11:16
